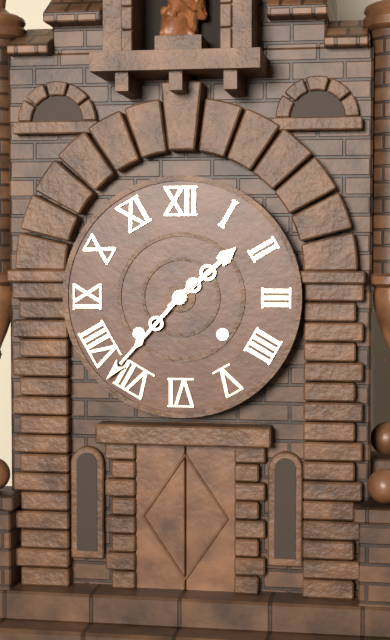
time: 1:37
